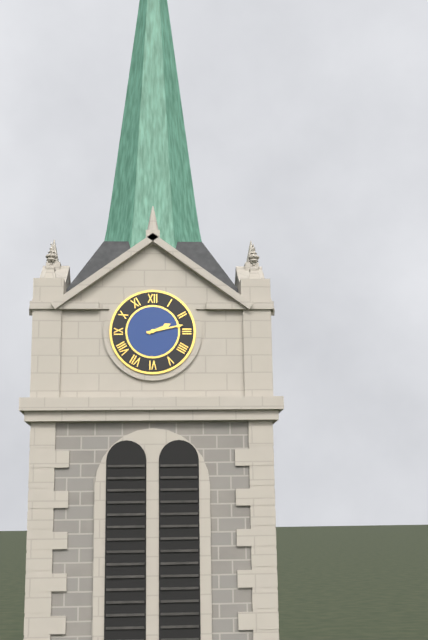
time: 2:13
